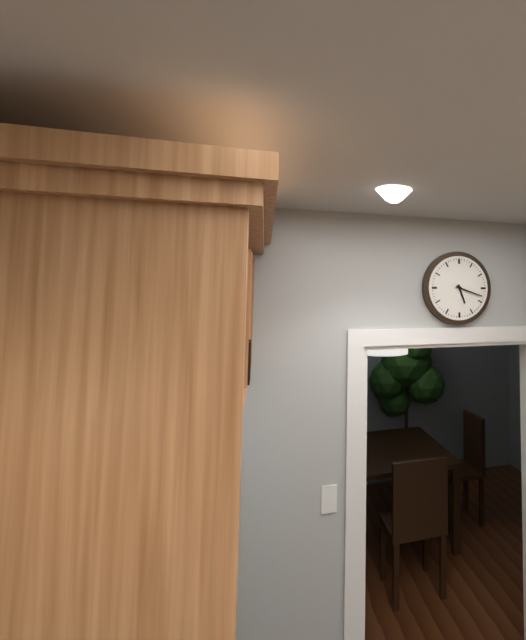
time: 5:18
